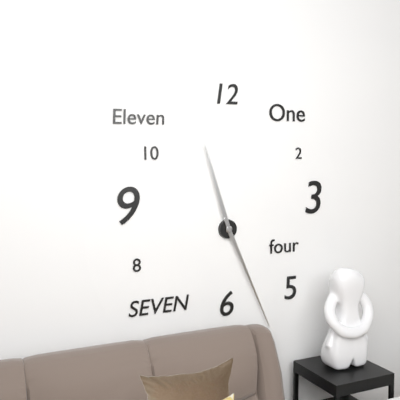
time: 11:26
